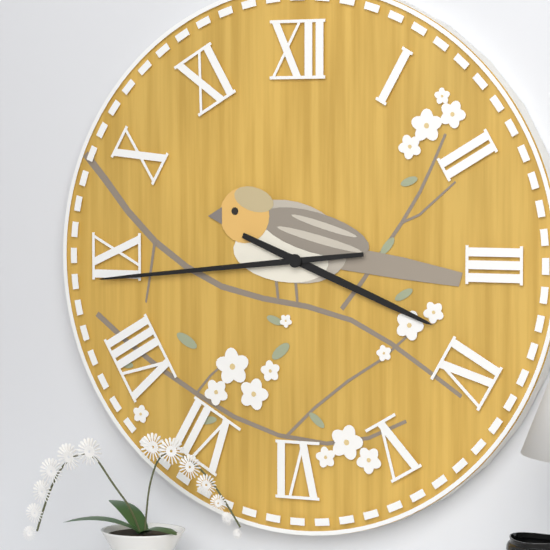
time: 3:44
